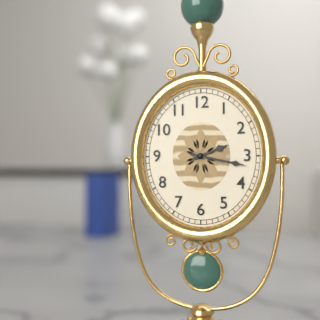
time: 2:17
